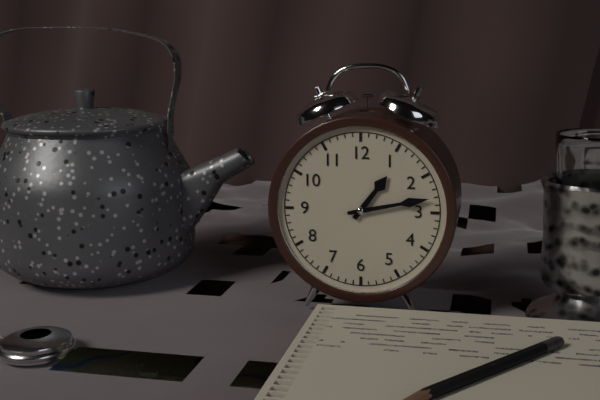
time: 1:13
